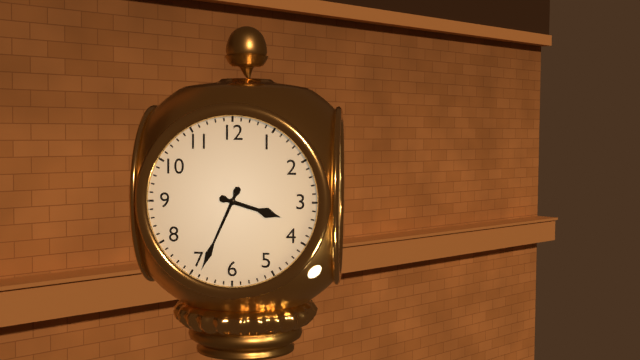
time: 3:34
